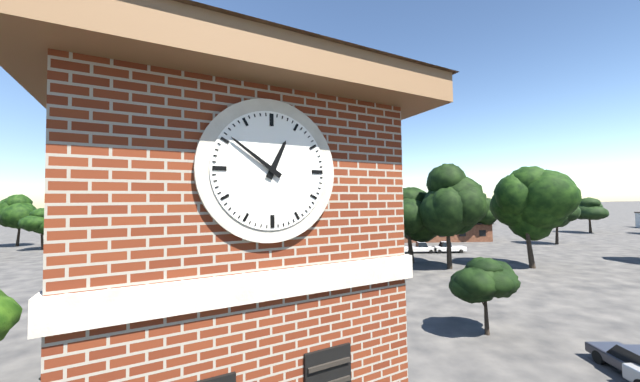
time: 12:51
